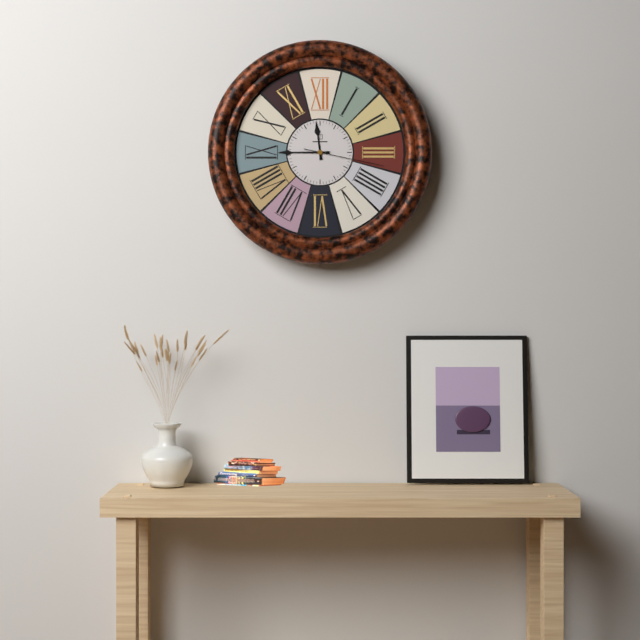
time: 11:45:17
